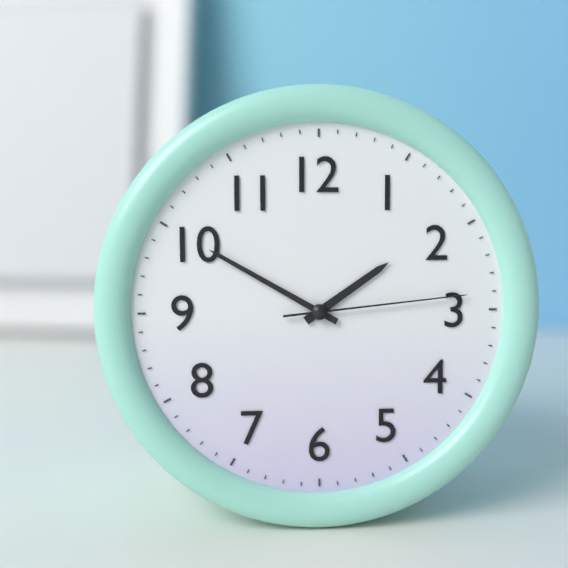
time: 1:50:14
